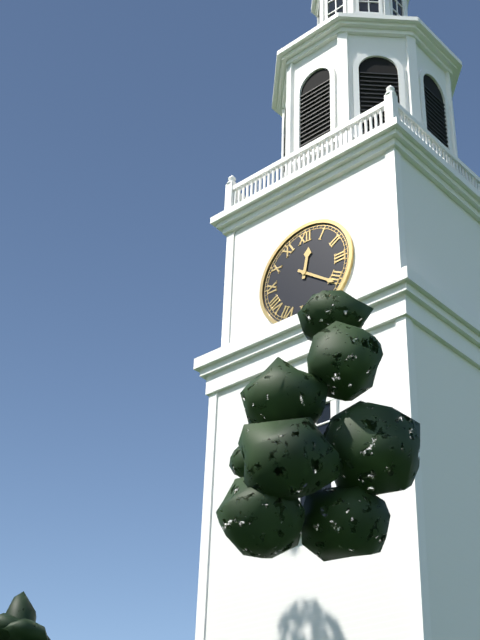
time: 12:21
